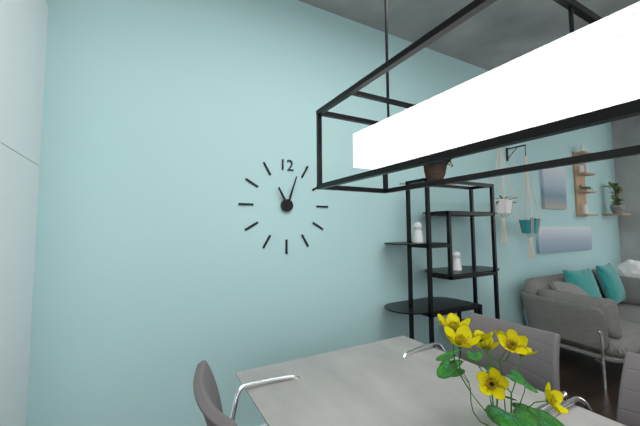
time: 11:03
